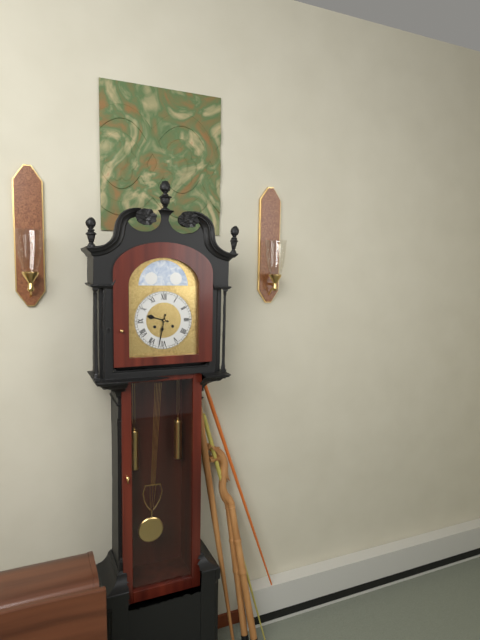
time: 9:32
